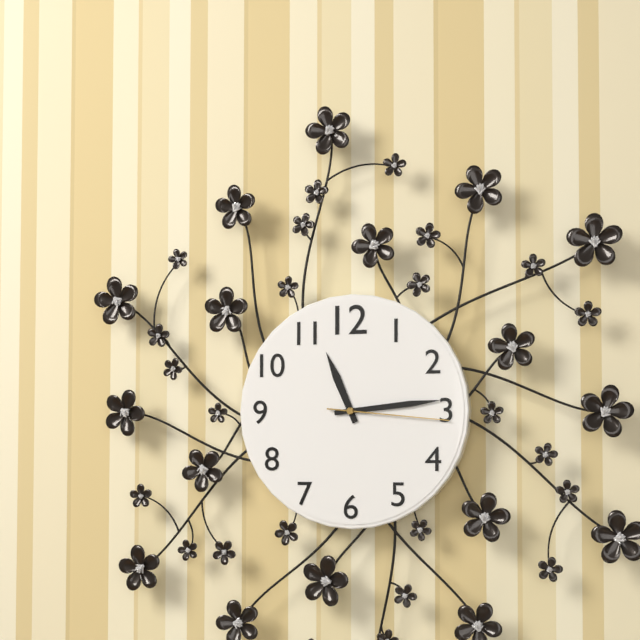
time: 11:14:16
